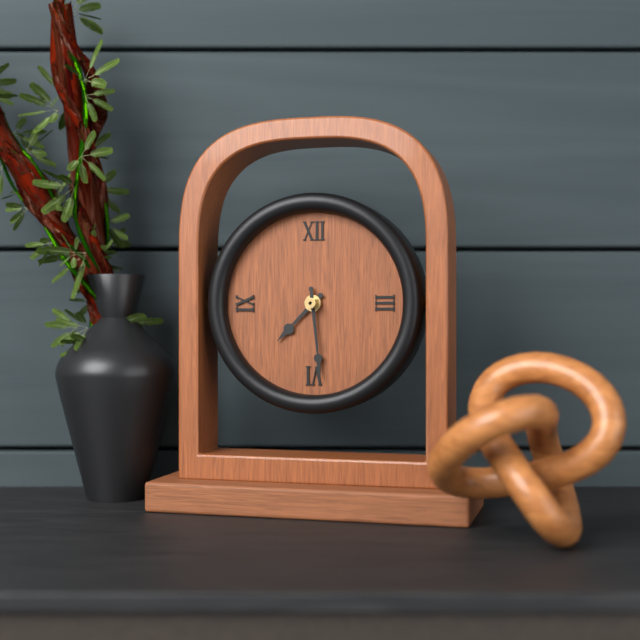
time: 7:29
